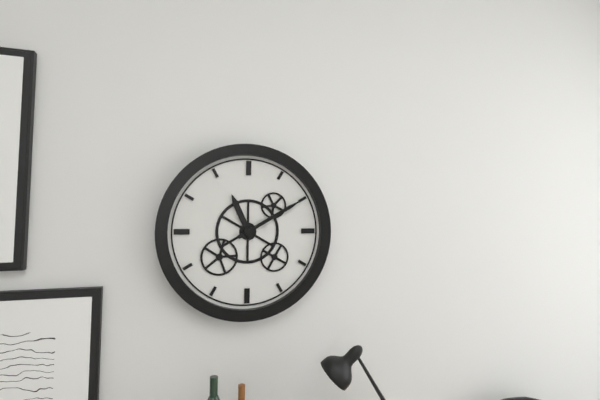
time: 11:10
